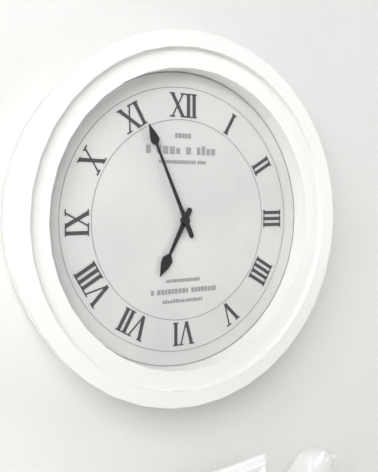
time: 6:56
